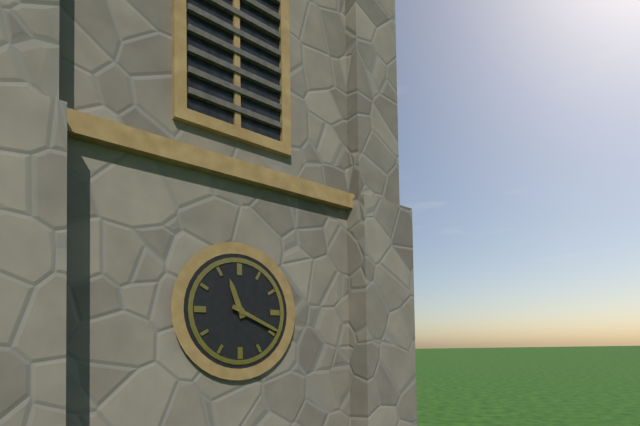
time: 11:19
